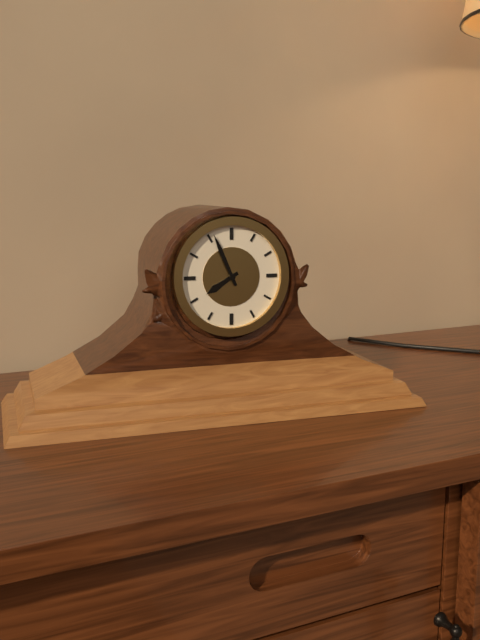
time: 7:56
